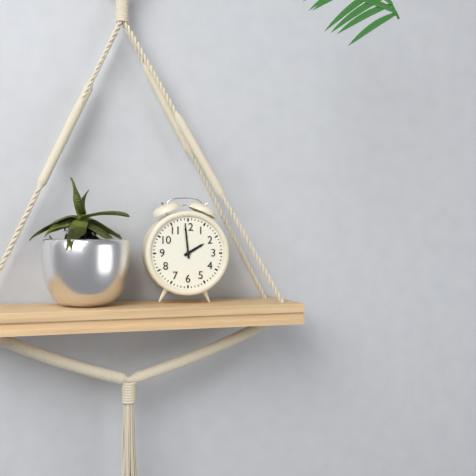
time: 1:59
